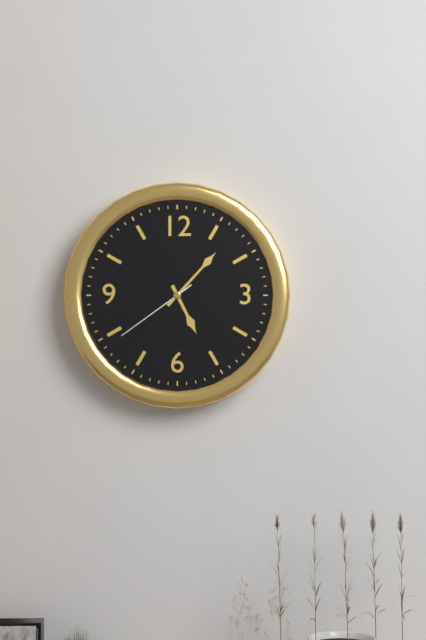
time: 5:07:39
